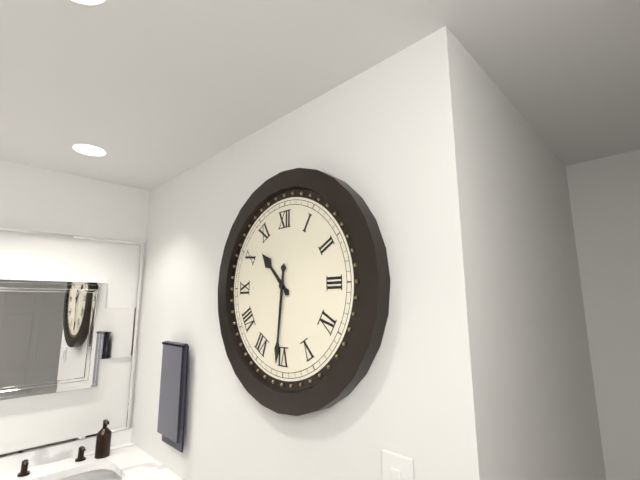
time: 10:31
